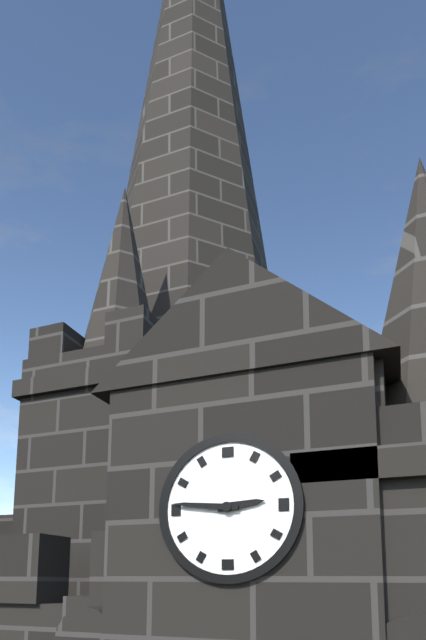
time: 2:46
